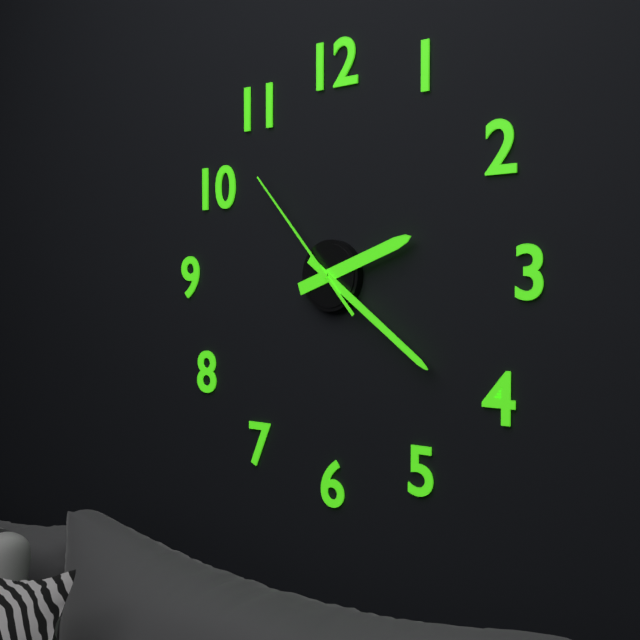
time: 2:21:53
